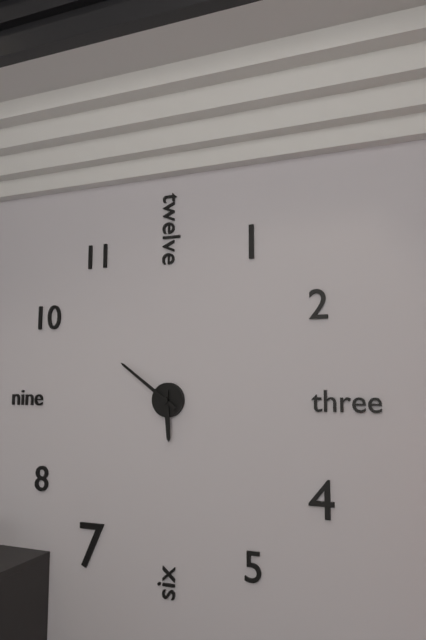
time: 5:51
